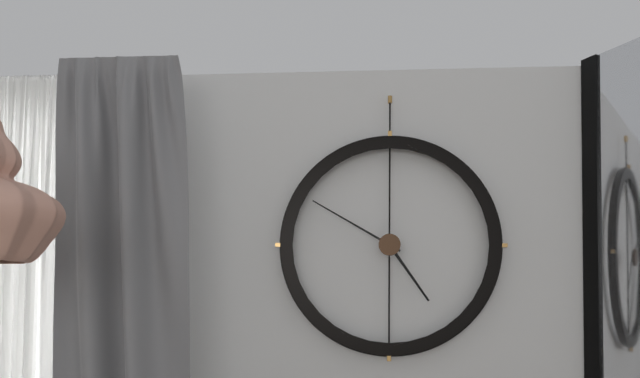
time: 4:50
